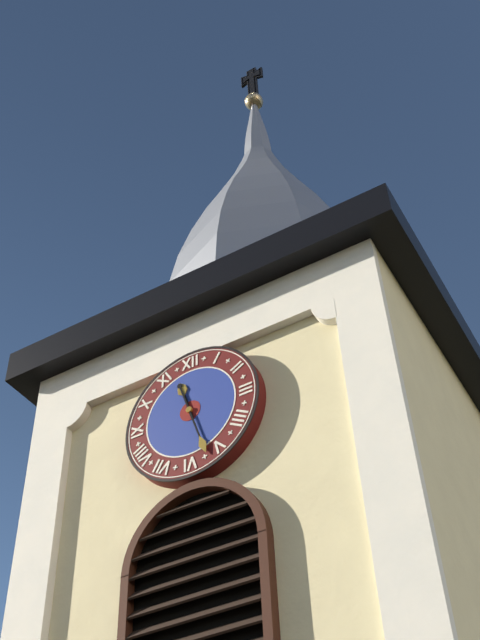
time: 11:27
